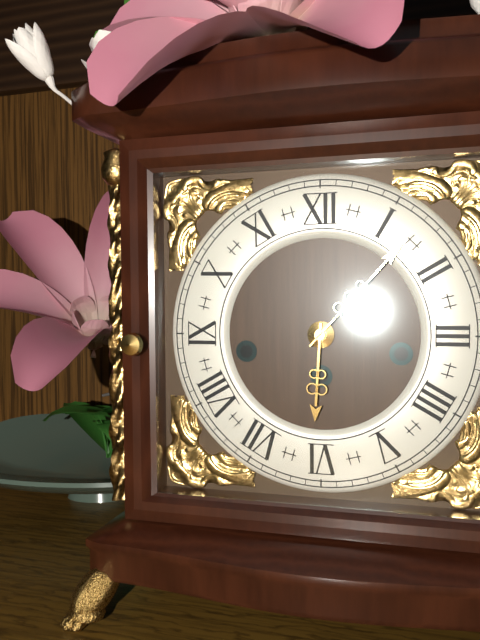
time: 6:07
